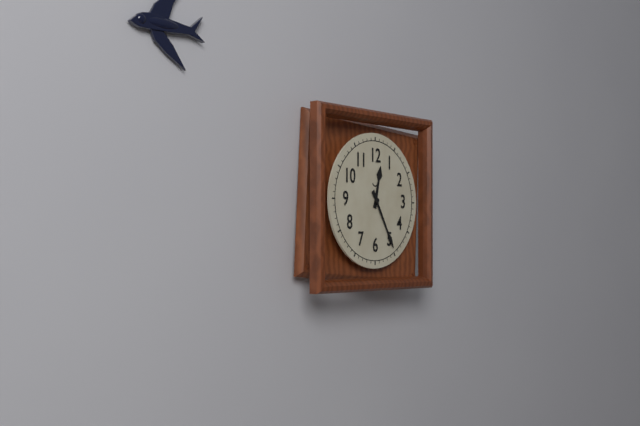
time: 12:25
